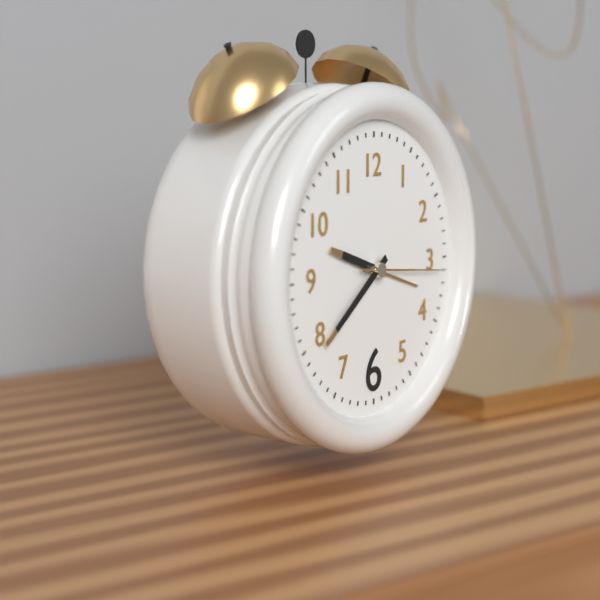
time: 9:39:16
